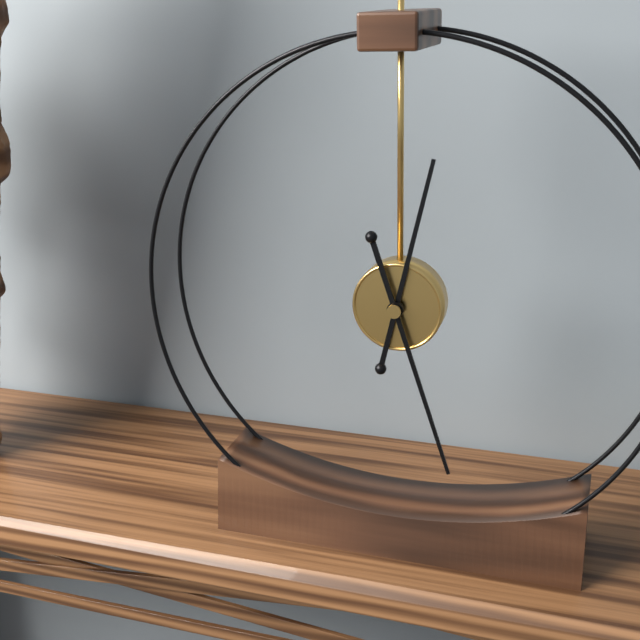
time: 12:27
